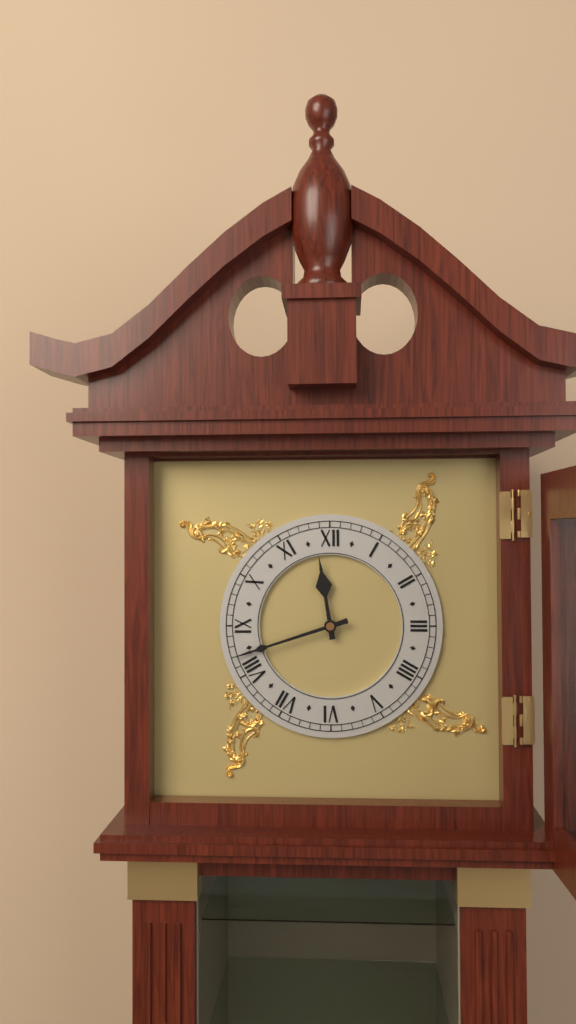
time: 11:42
